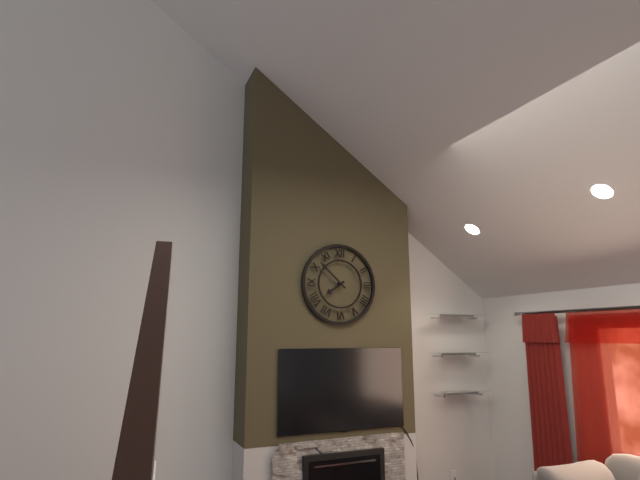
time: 7:52
